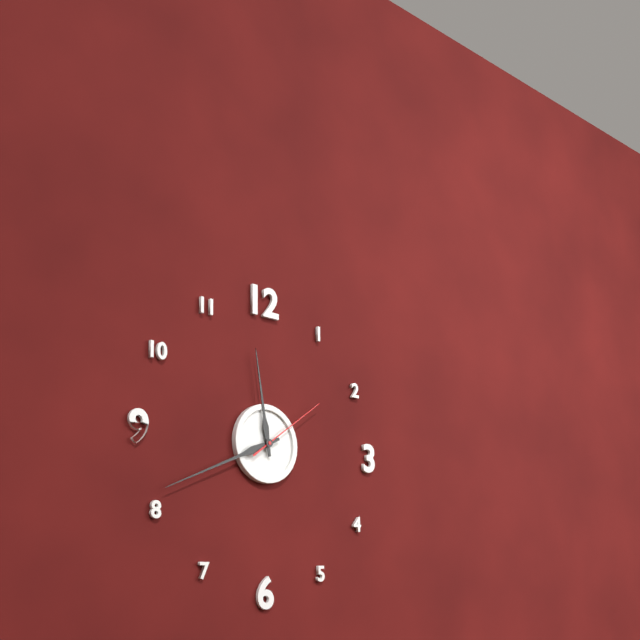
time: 11:41:09
